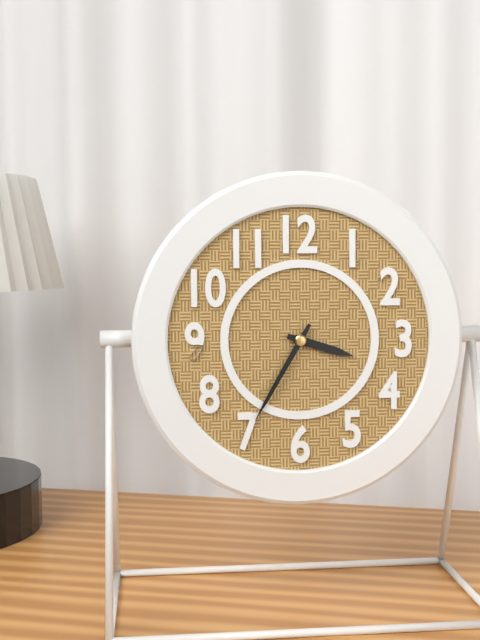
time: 3:35
